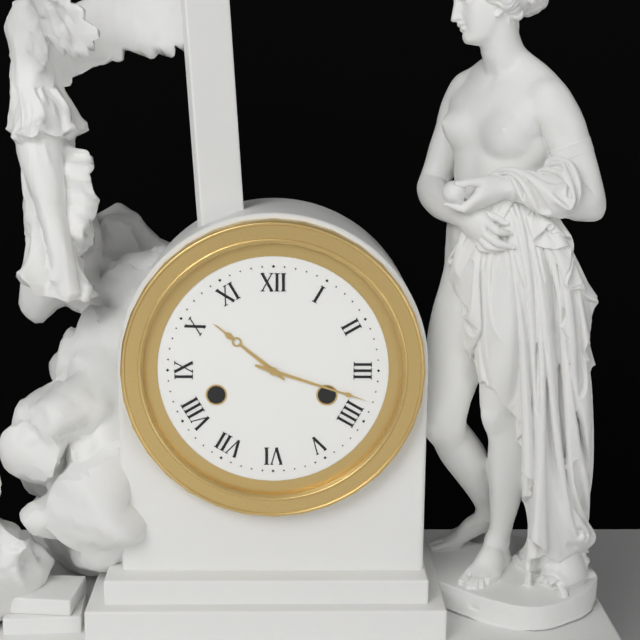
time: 10:18
